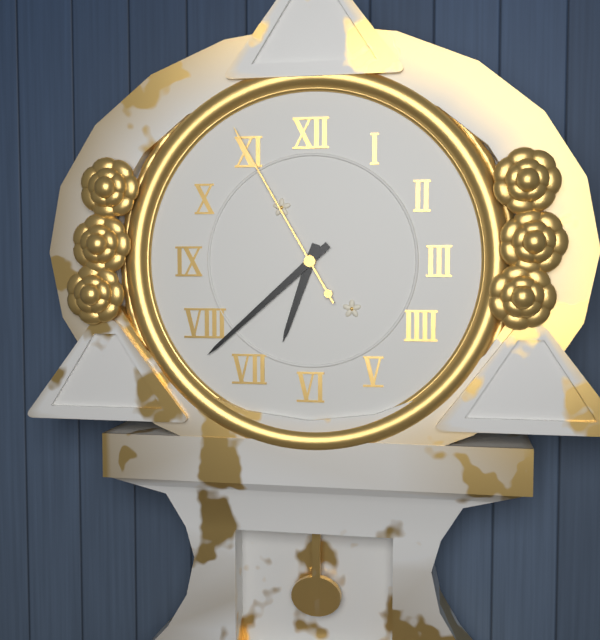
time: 6:38:55
